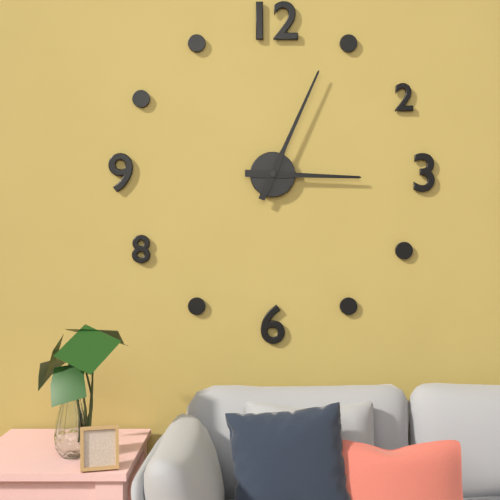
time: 3:04
